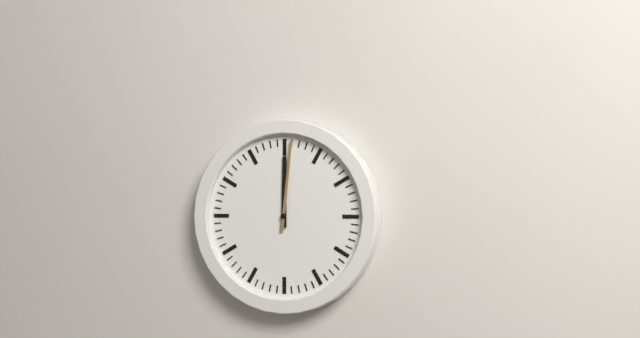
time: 12:01
